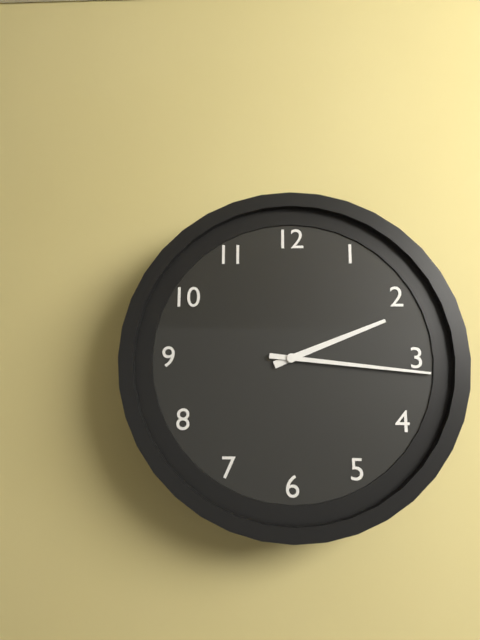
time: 2:16
